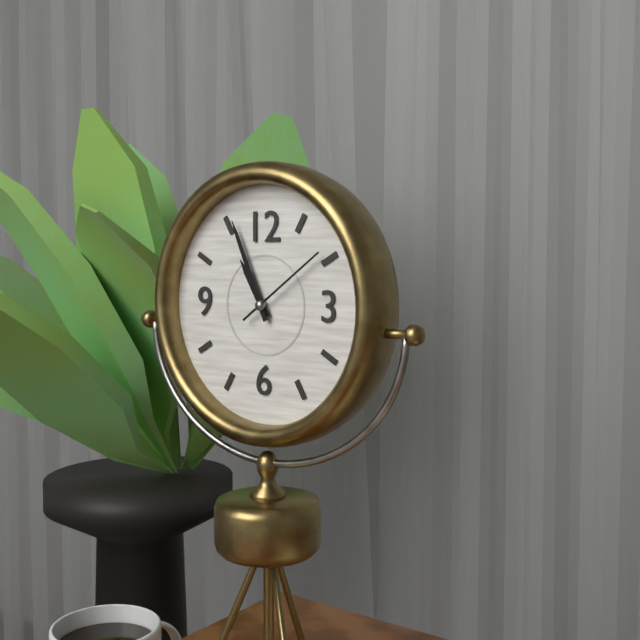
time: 10:56:09
